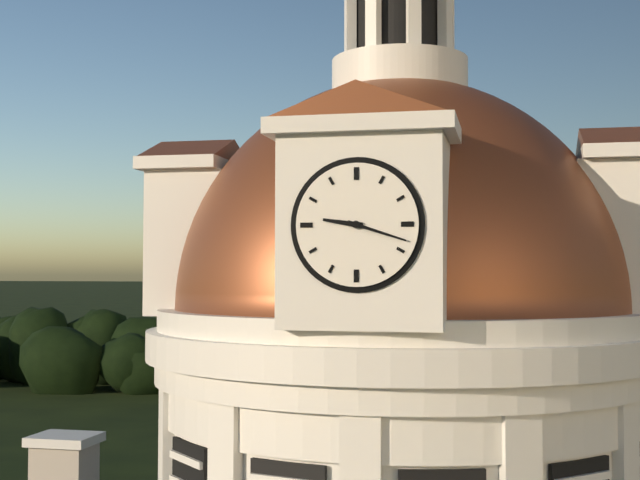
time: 9:18
